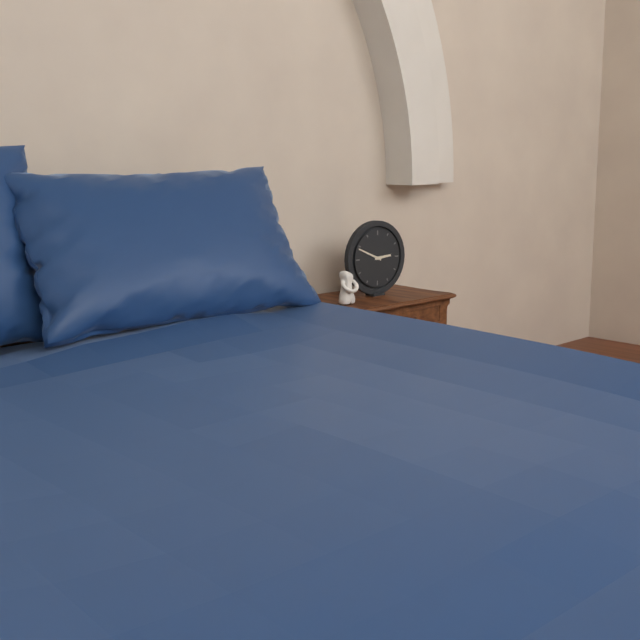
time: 2:49
